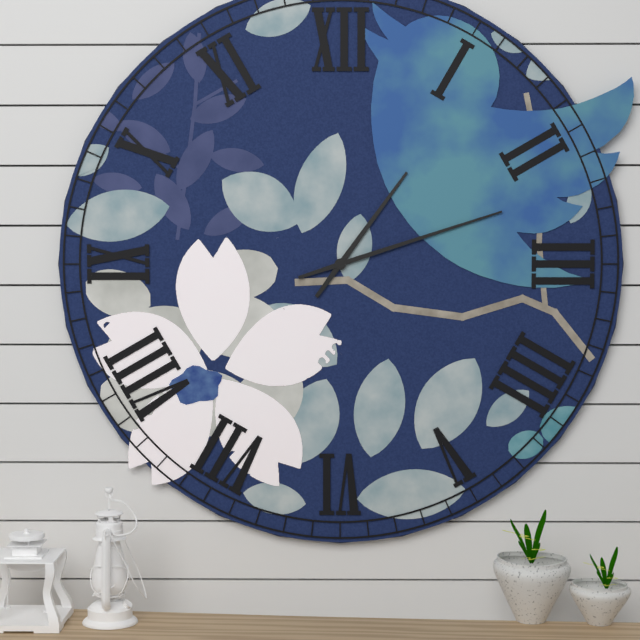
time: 1:12
